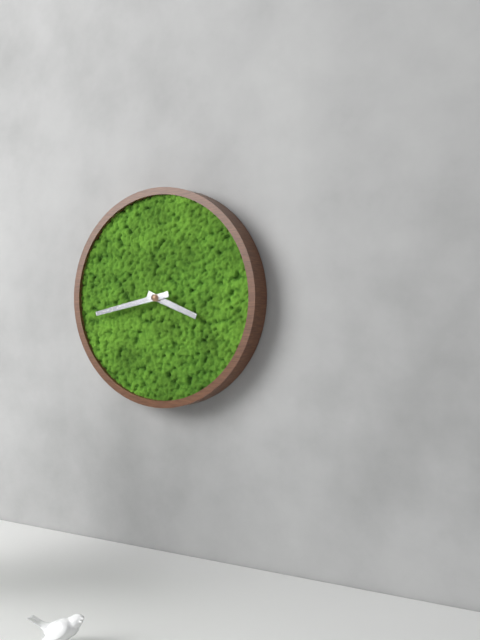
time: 3:43
